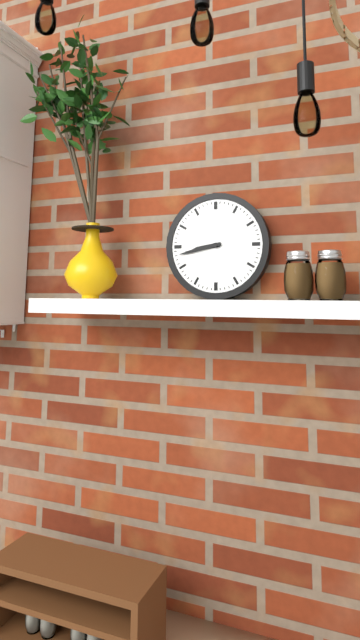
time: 8:43
